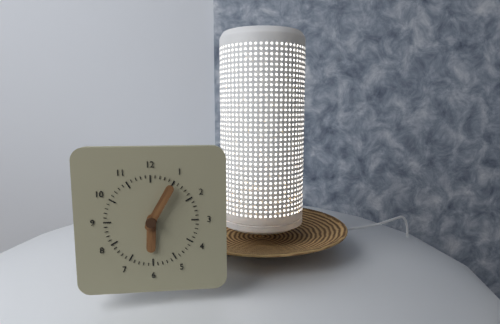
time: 6:05
